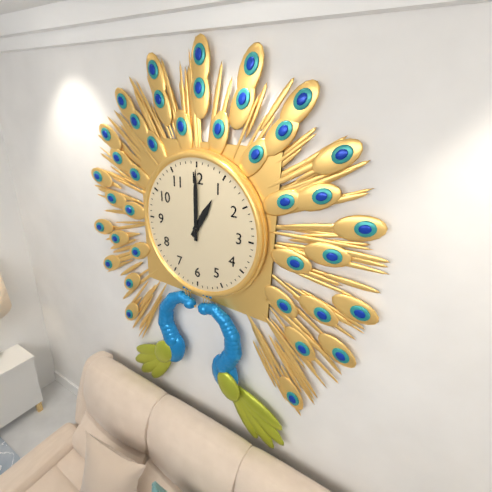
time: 1:00
